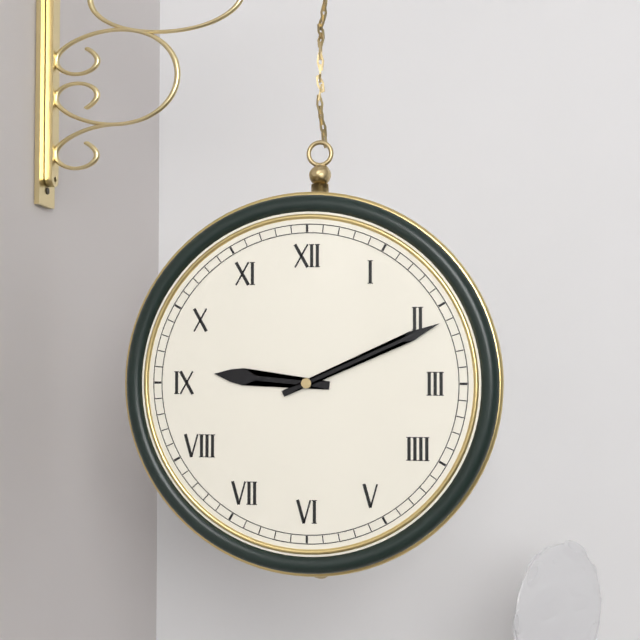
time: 9:11
